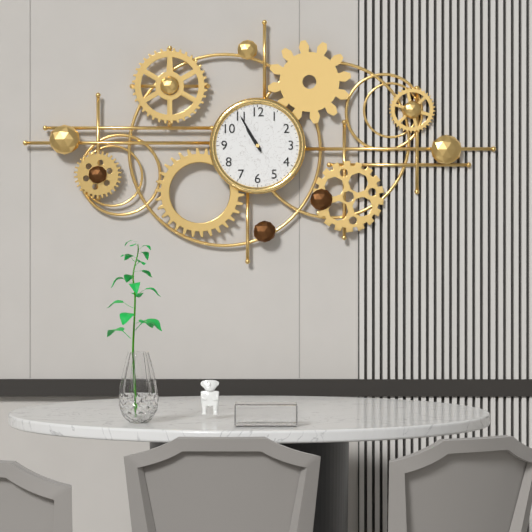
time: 10:55
